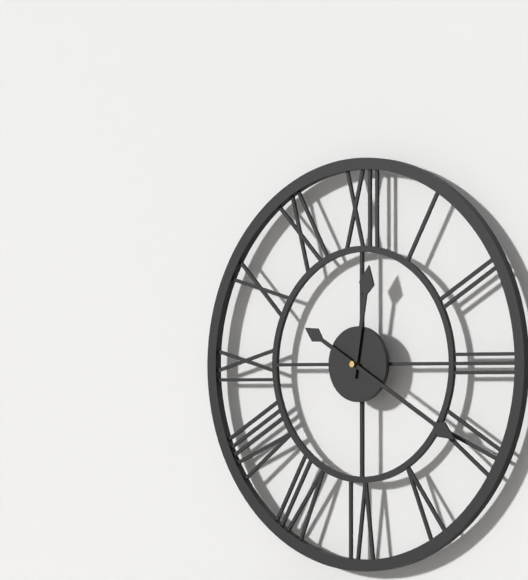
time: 12:20
